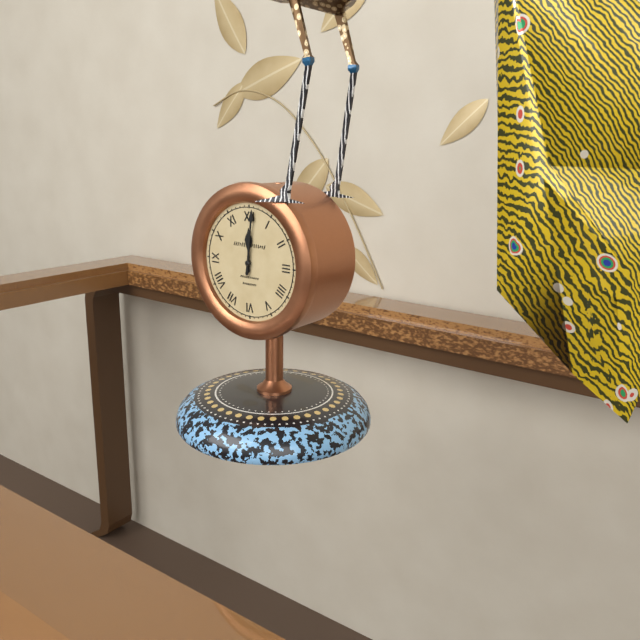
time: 12:01
